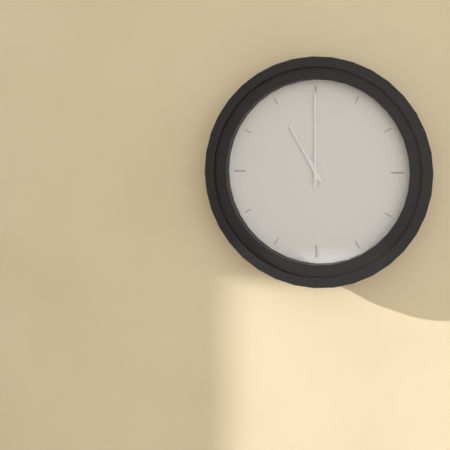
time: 11:00
